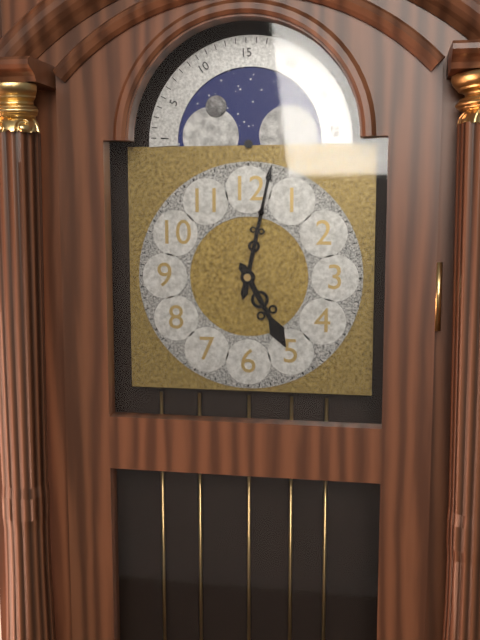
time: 5:02
